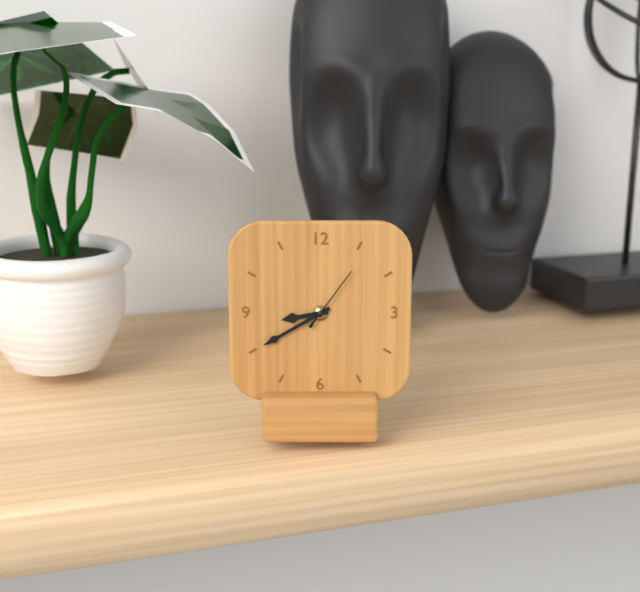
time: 8:40:06
